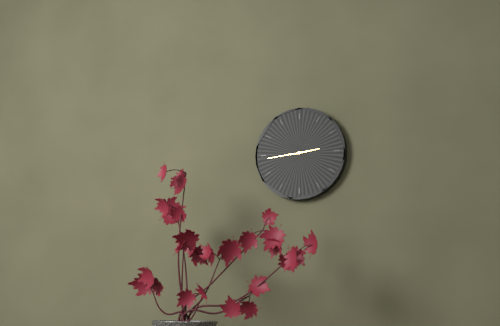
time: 2:44
